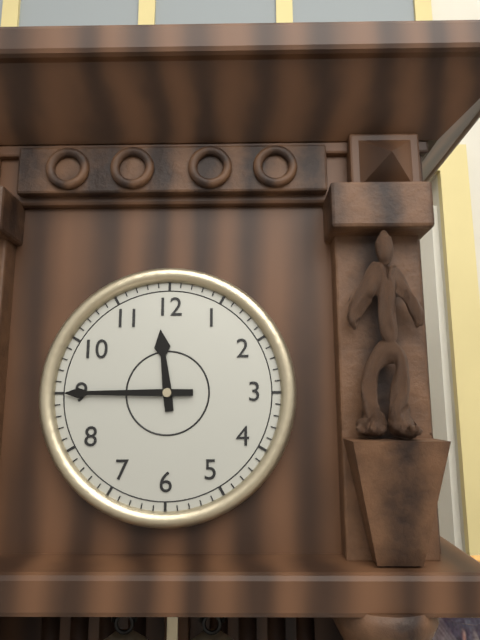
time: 11:45
